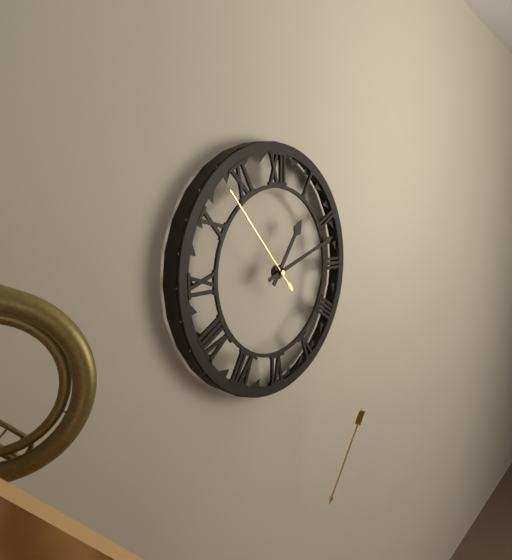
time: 1:12:53
